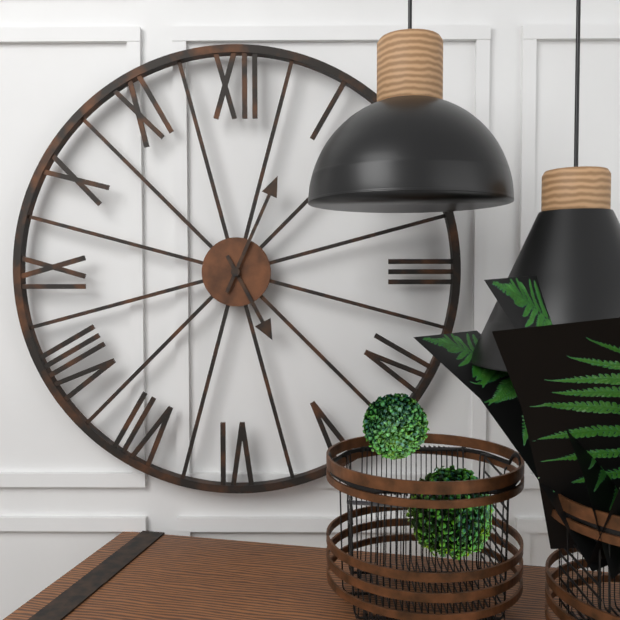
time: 5:04
